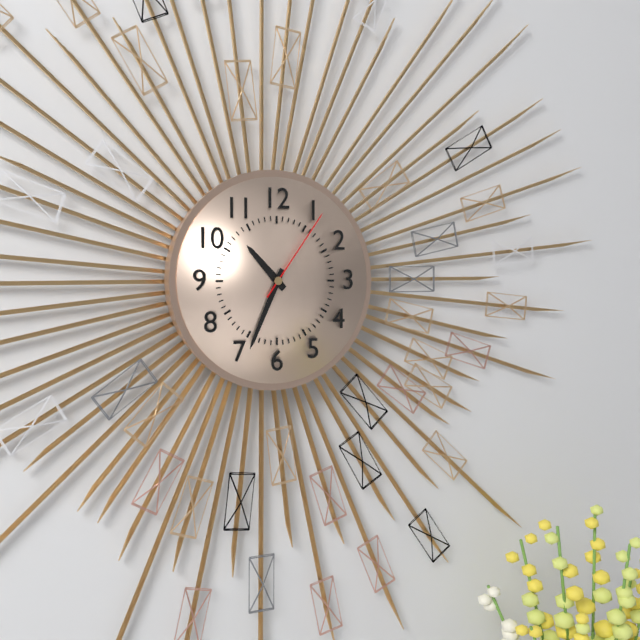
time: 10:34:06
